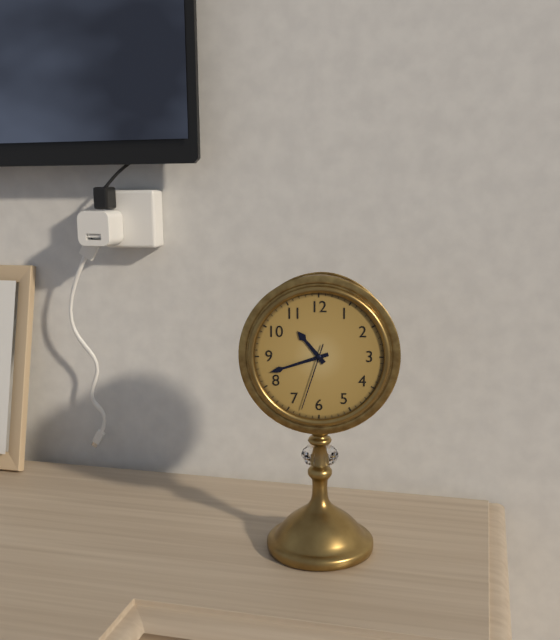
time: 10:42:33
